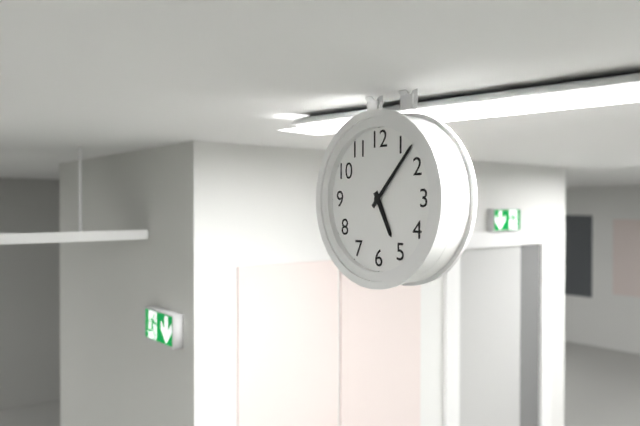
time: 5:07
